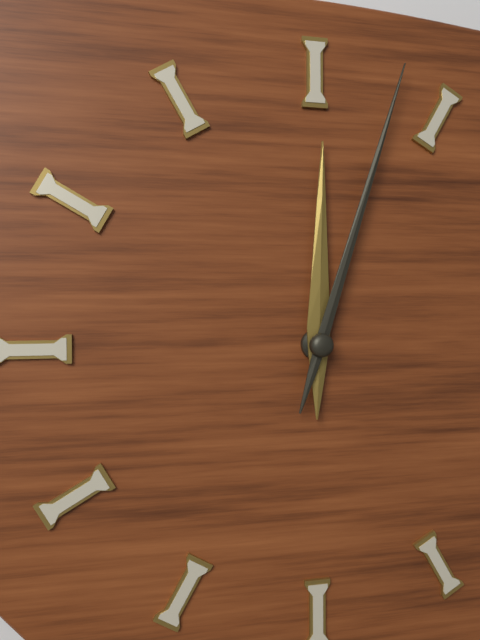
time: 12:03
